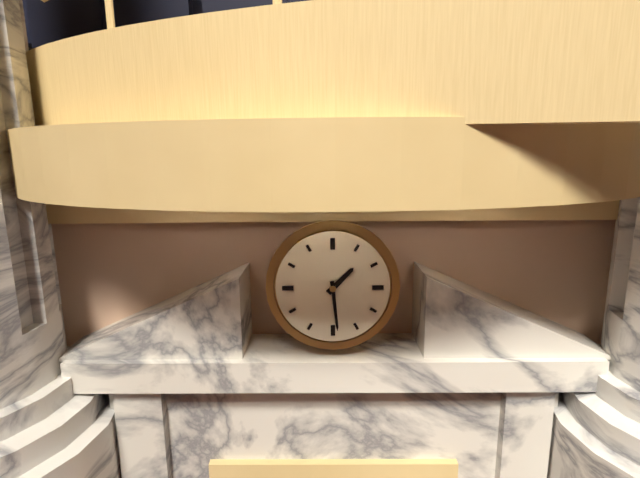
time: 1:29
